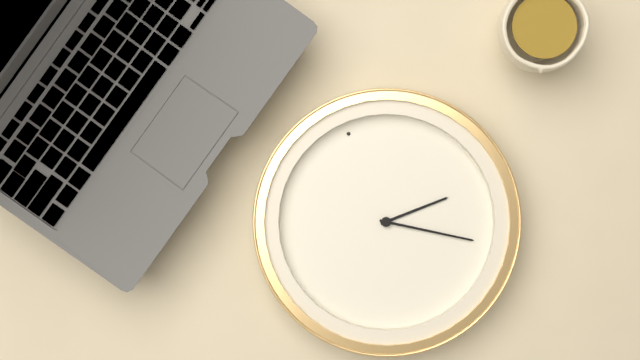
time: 2:17
